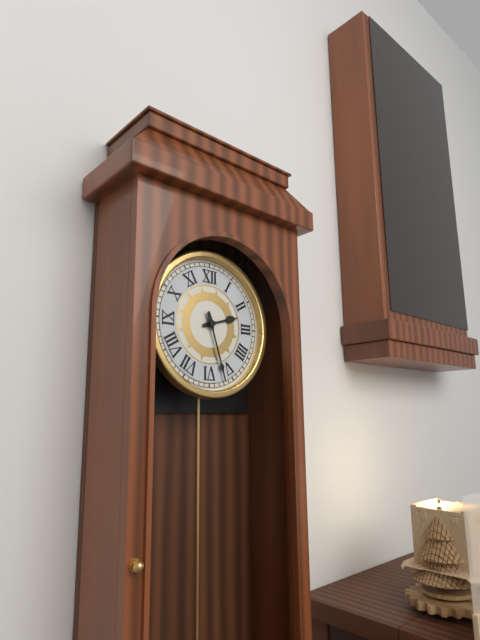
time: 2:27
